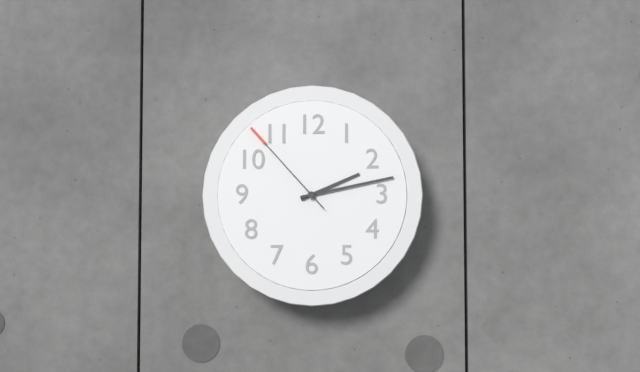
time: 2:13:53
